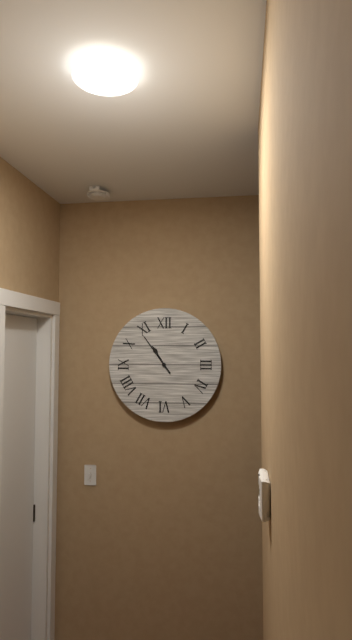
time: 10:54
